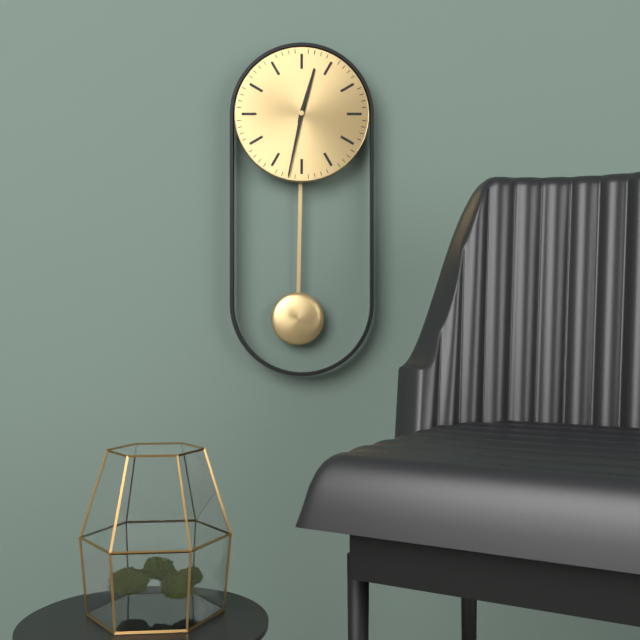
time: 12:32
